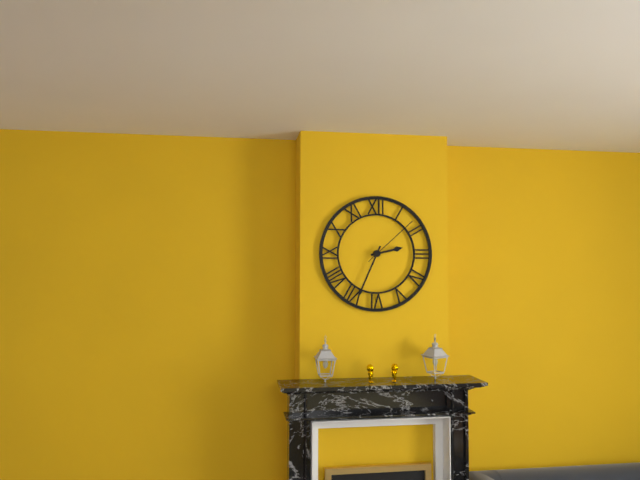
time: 2:34:08
